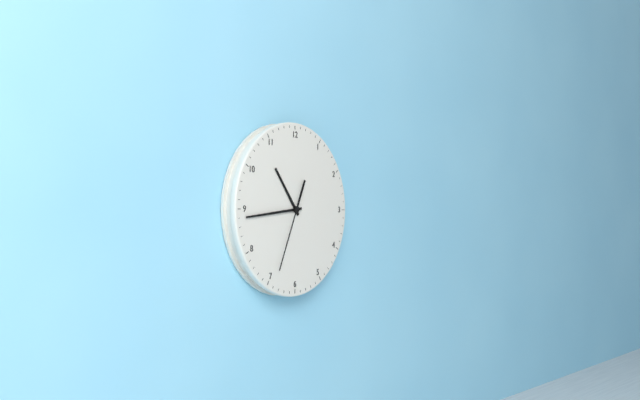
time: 10:44:34
